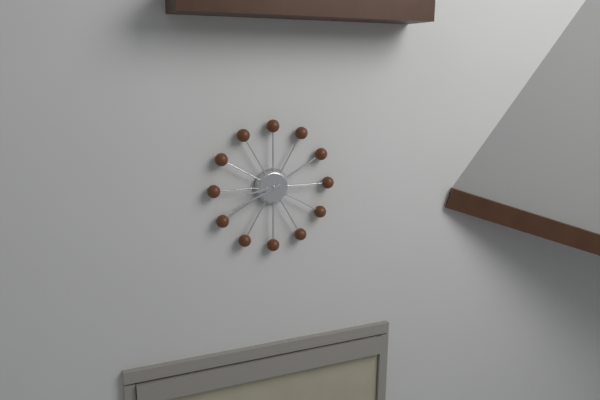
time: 8:41
